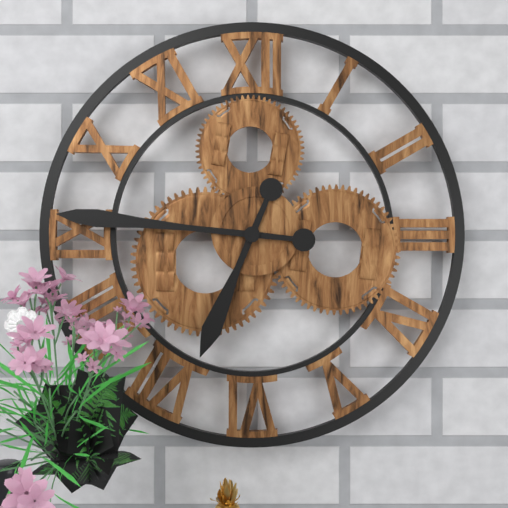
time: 6:46
